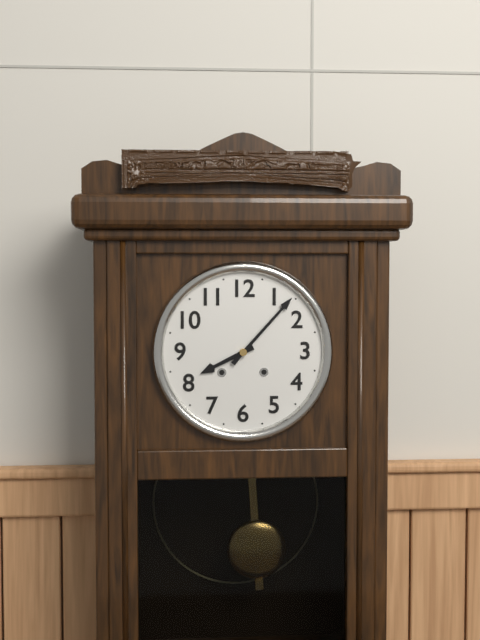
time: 8:07
